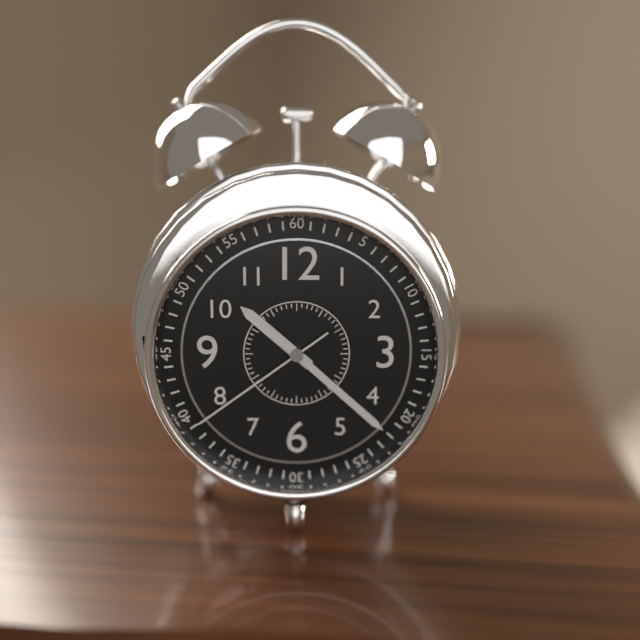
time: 10:22:39
